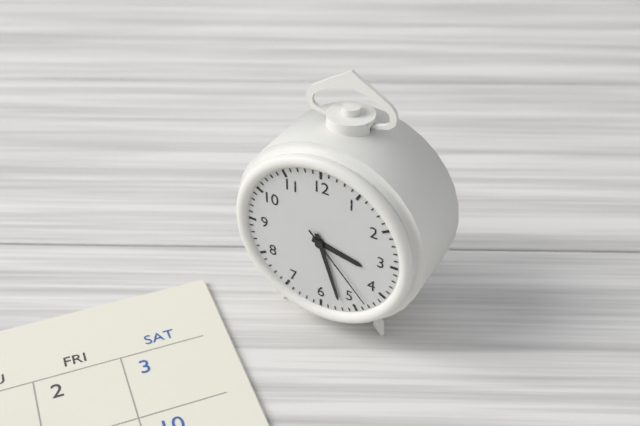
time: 3:27:23
